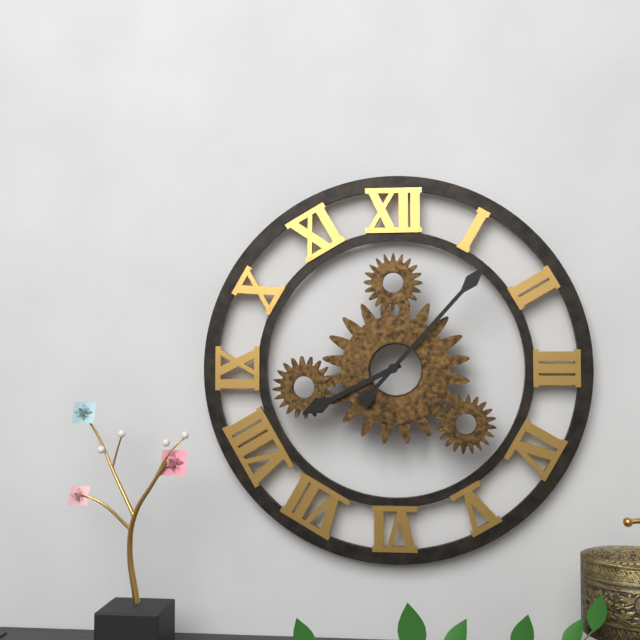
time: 8:07
